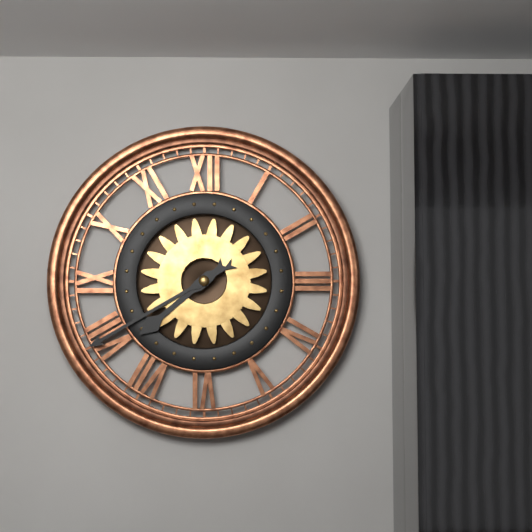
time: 7:40
